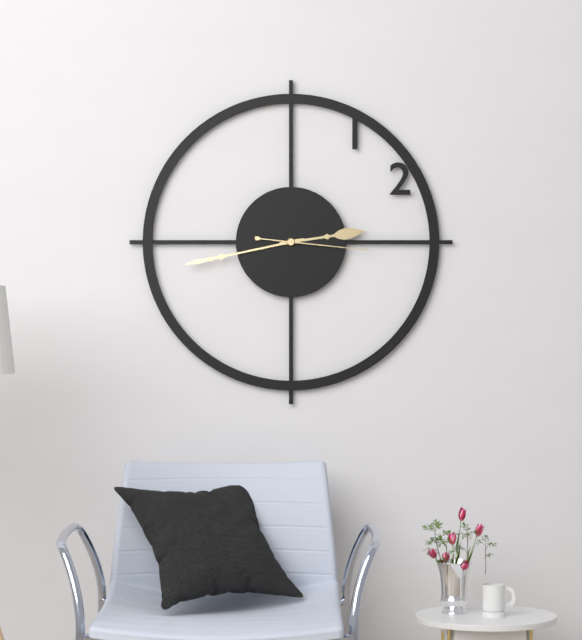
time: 2:43:16
